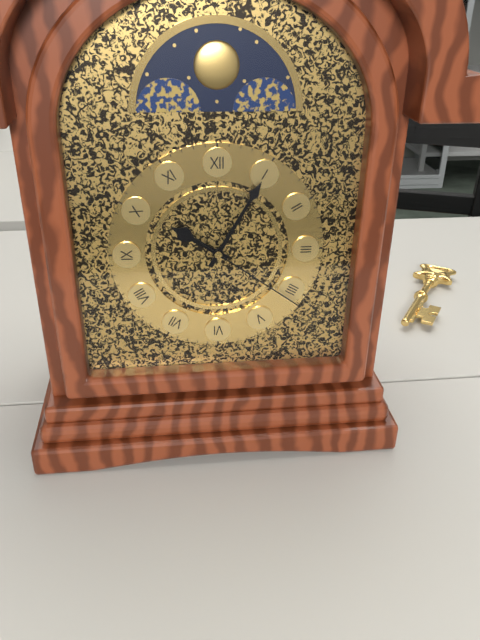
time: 10:05:21
